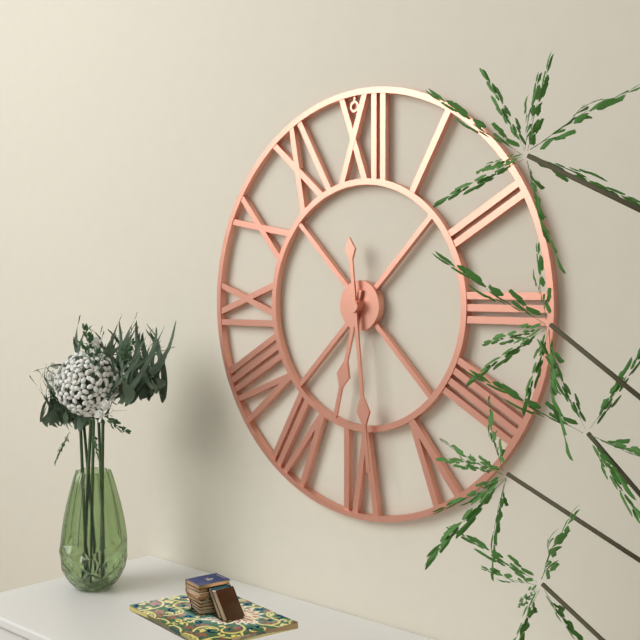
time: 6:29
